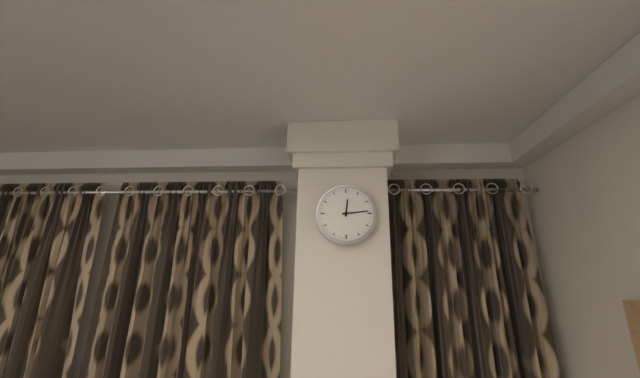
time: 12:14
